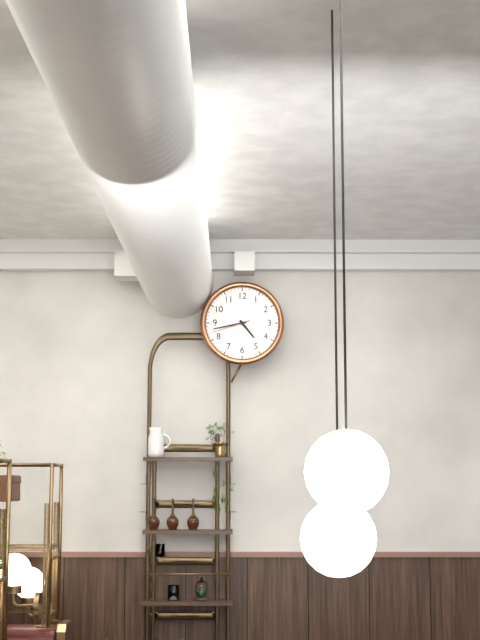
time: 4:43
